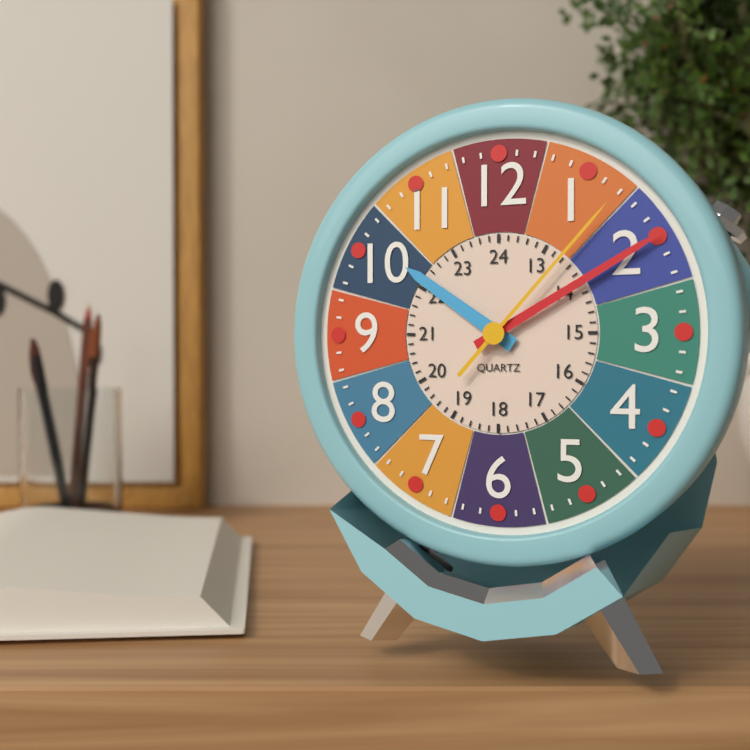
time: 10:10:07
